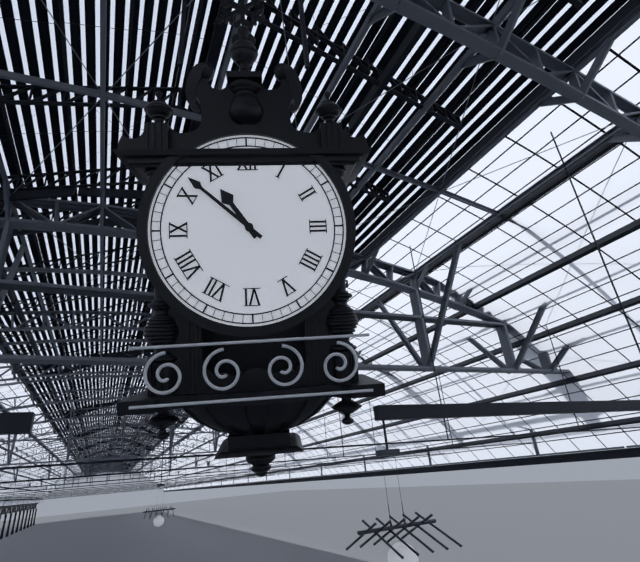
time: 10:52
